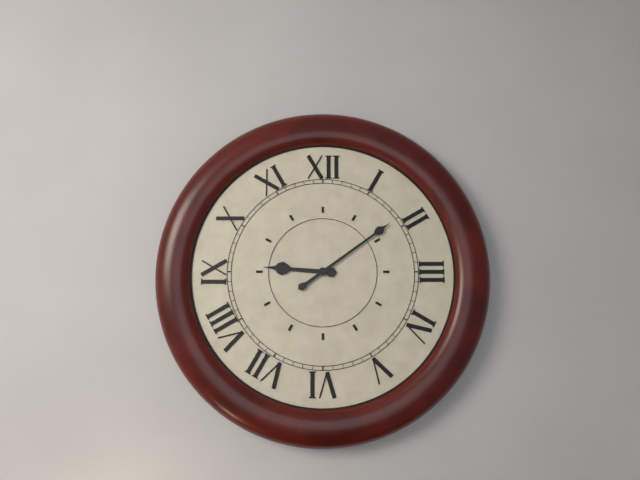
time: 9:09
